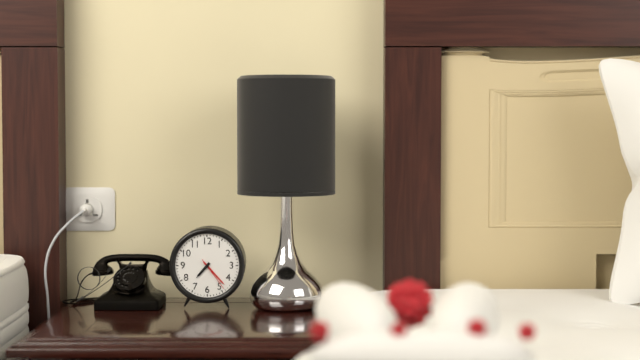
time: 7:23
